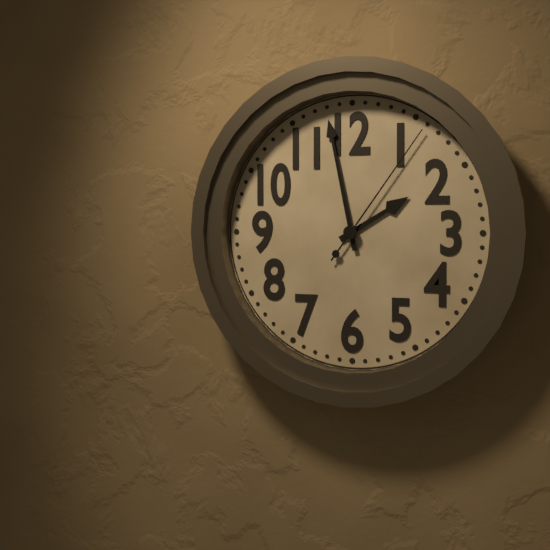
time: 1:58:06
